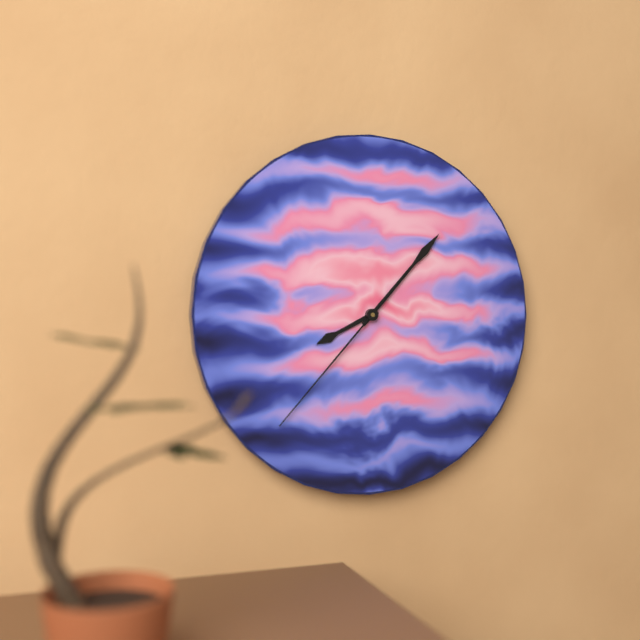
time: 8:07:37
